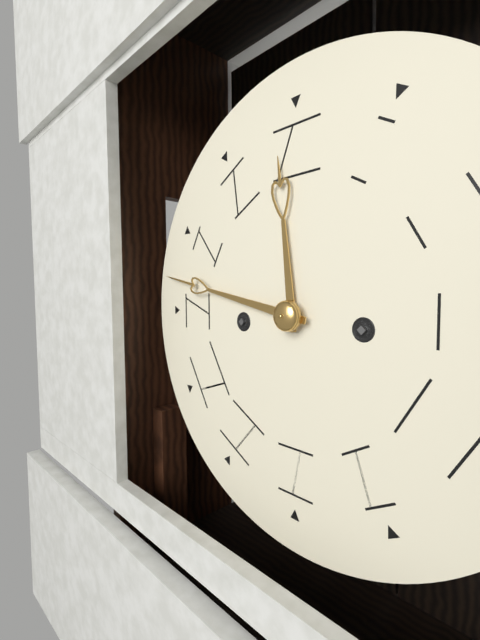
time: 11:47
